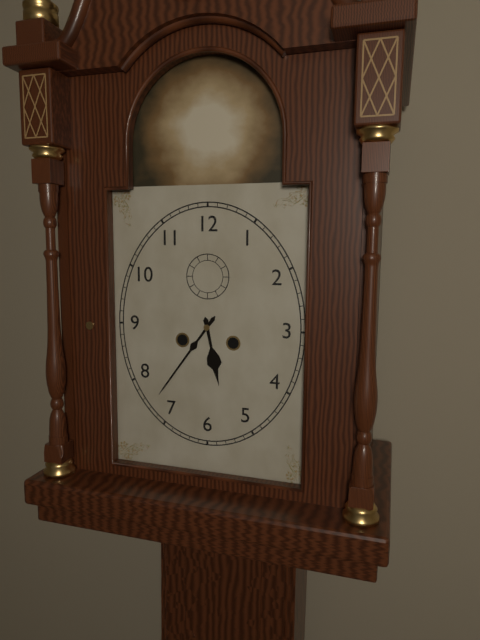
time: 5:36
